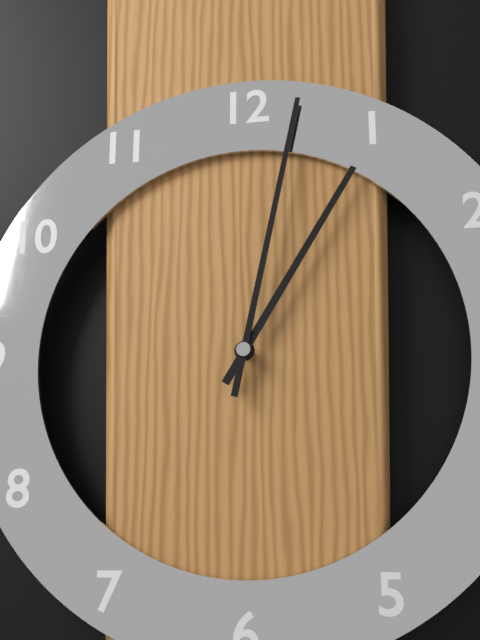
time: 1:02
